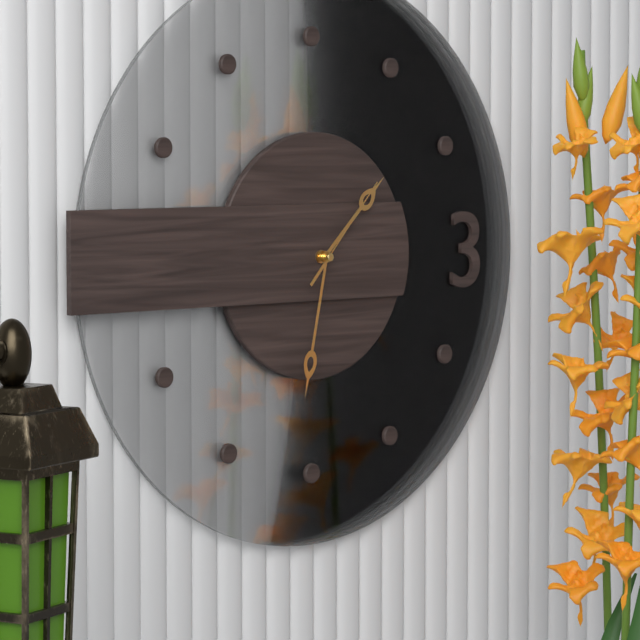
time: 1:32:07
